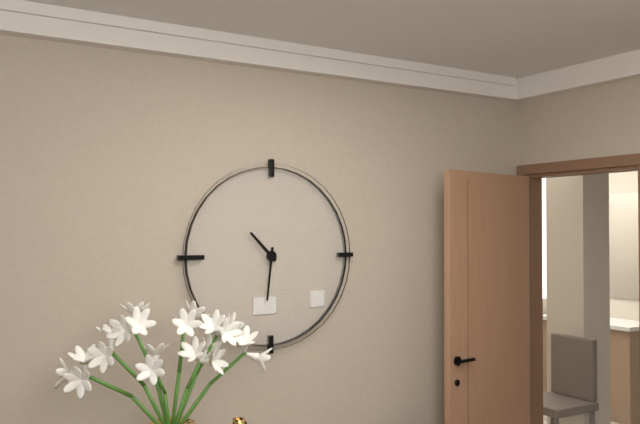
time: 10:31
